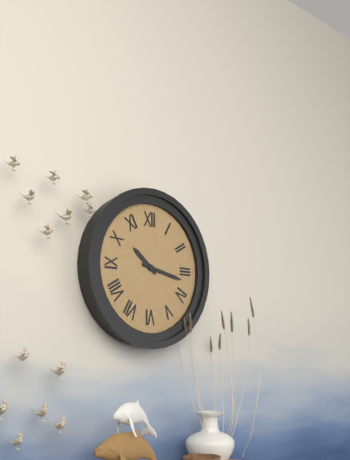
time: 10:17
